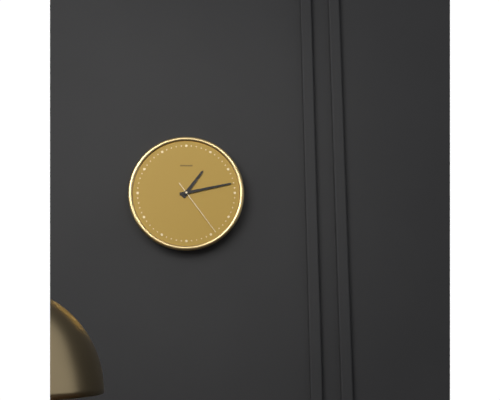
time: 1:13:24
